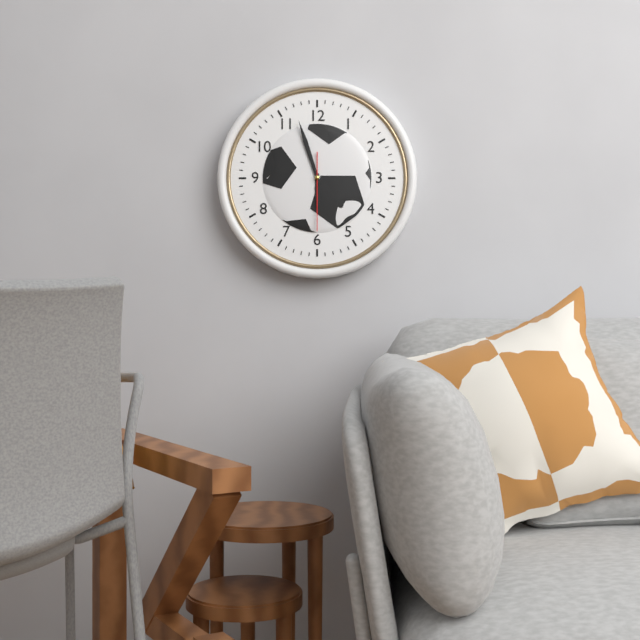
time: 5:57:30
